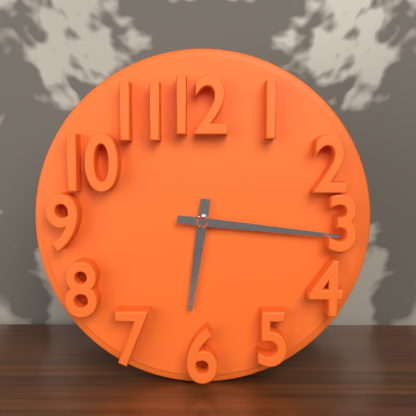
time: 6:16
